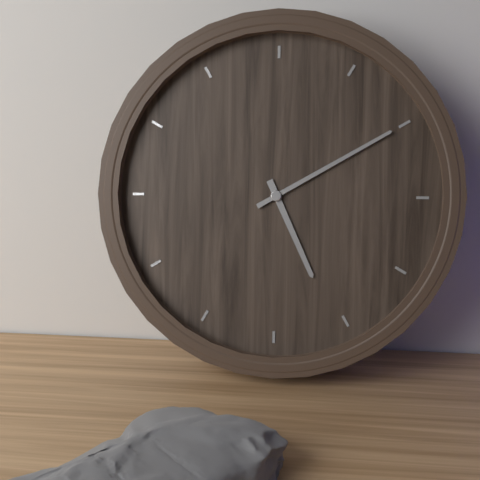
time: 5:10
